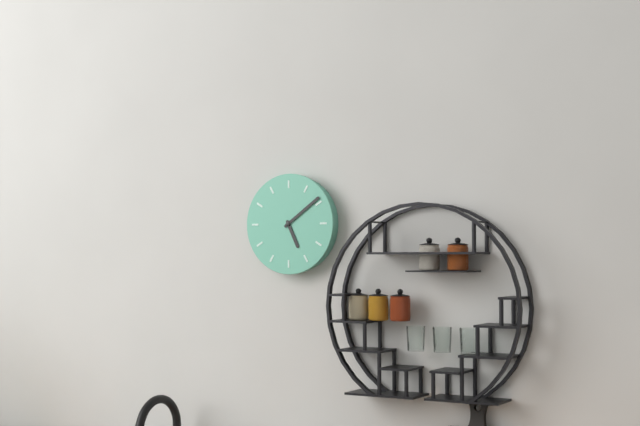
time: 5:09
